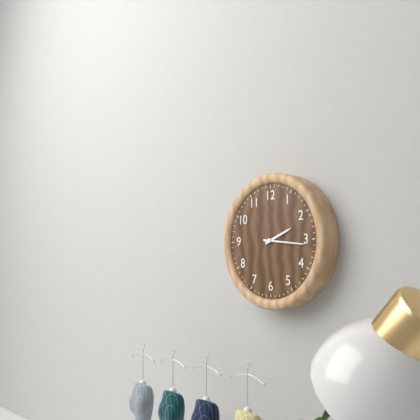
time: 2:16
